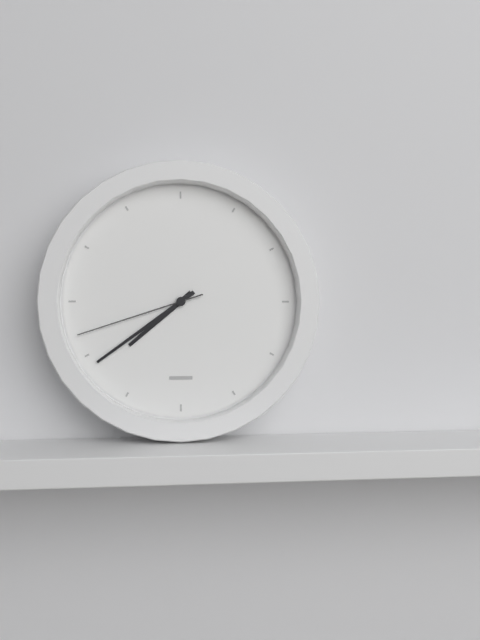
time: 7:39:42
